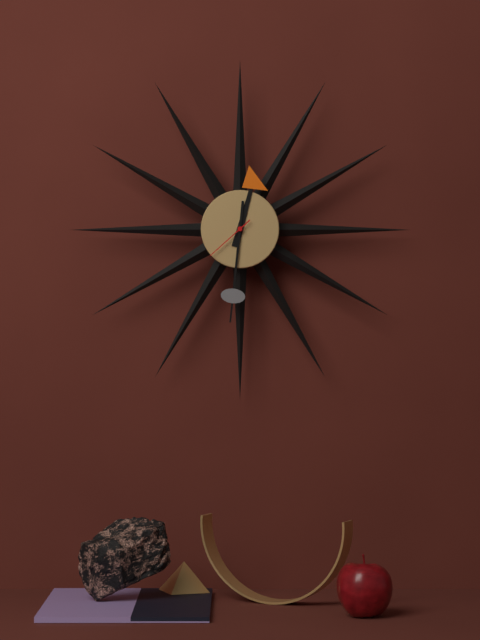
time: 12:31
